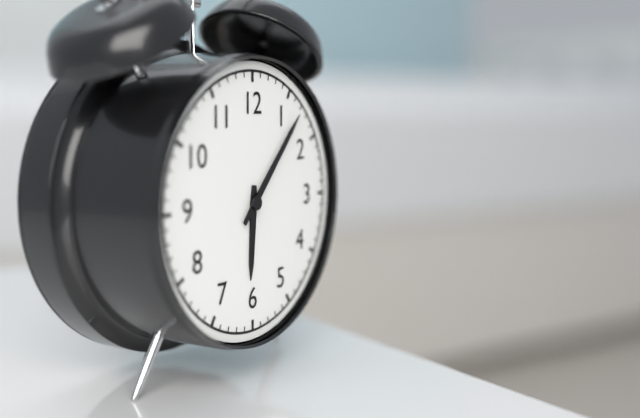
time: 6:07
